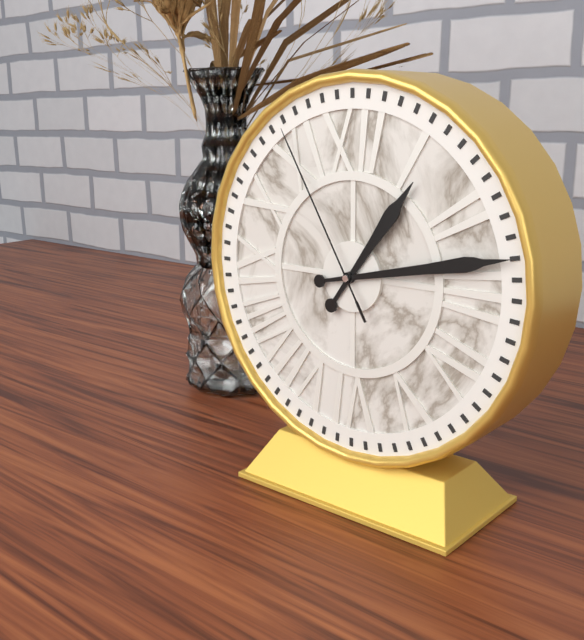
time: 1:13:55
